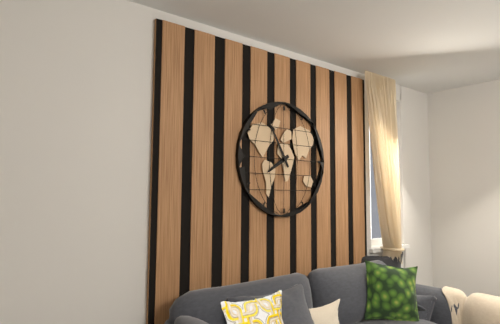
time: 7:55
